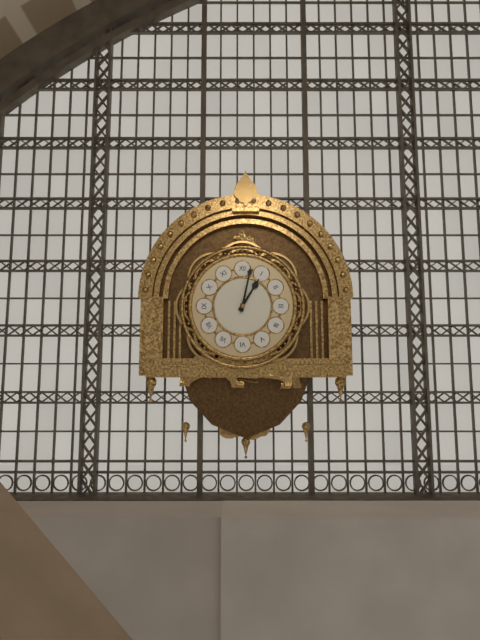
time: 1:02
